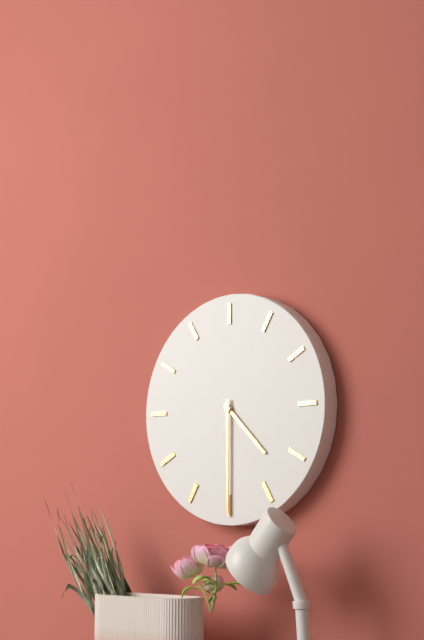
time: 4:30
